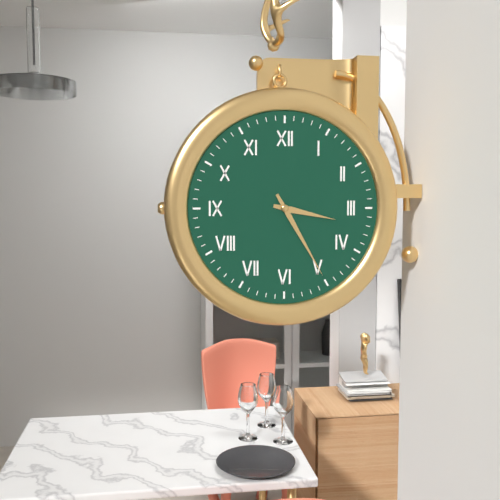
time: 3:25
